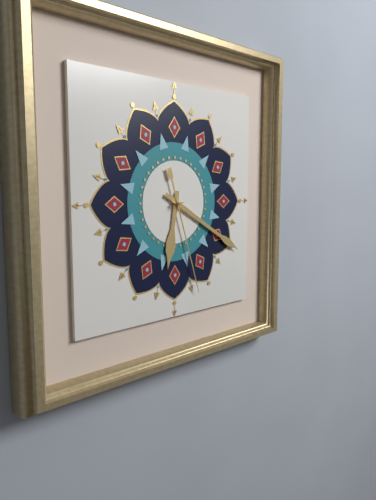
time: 6:20:27
